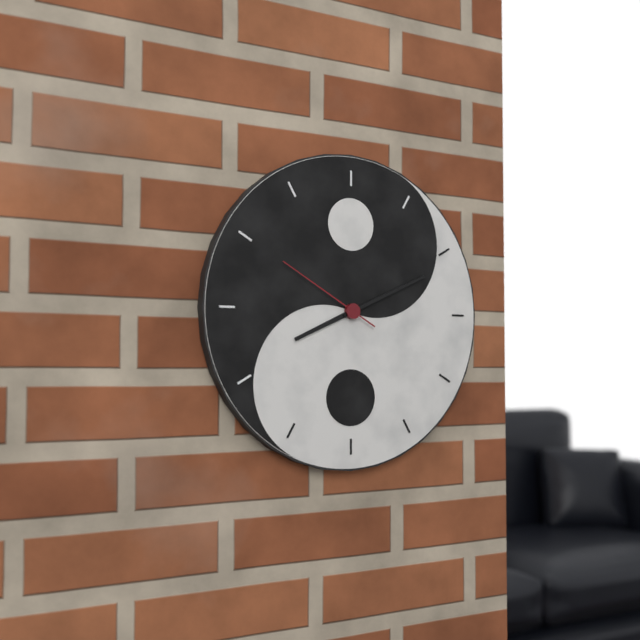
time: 8:11:50
